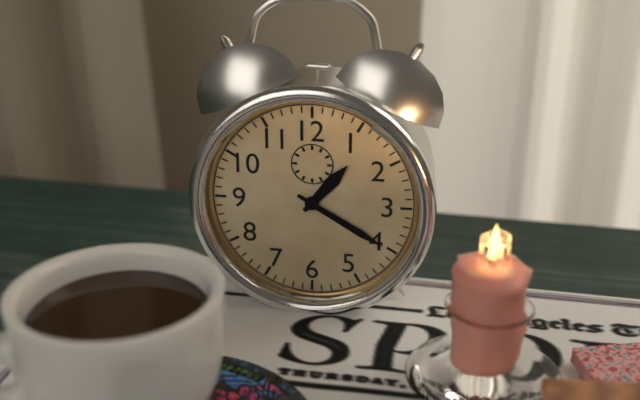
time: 1:20
